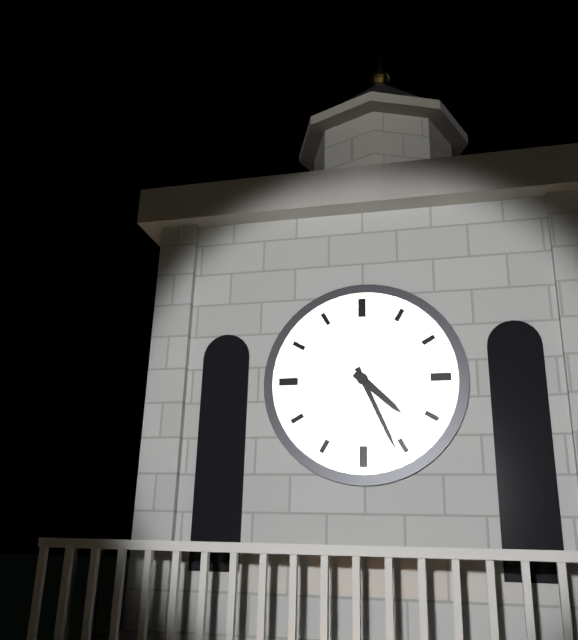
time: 4:26
